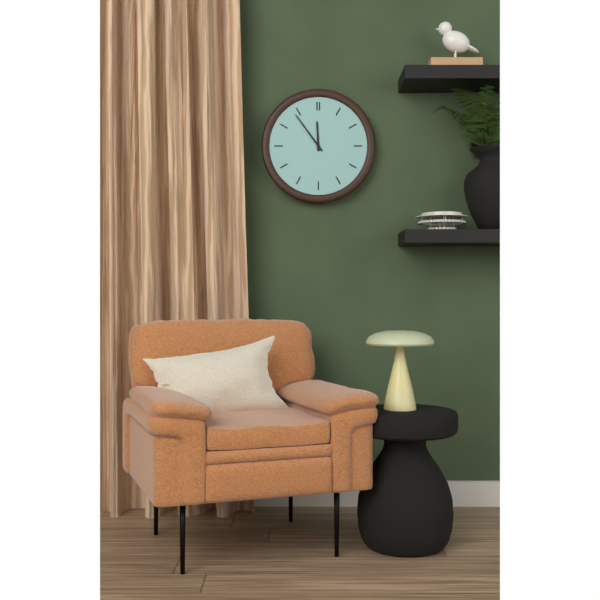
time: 11:54
